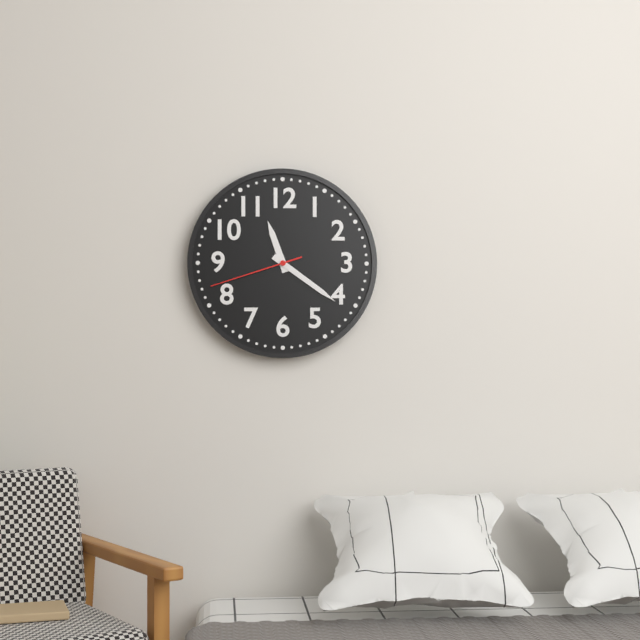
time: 11:21:42
